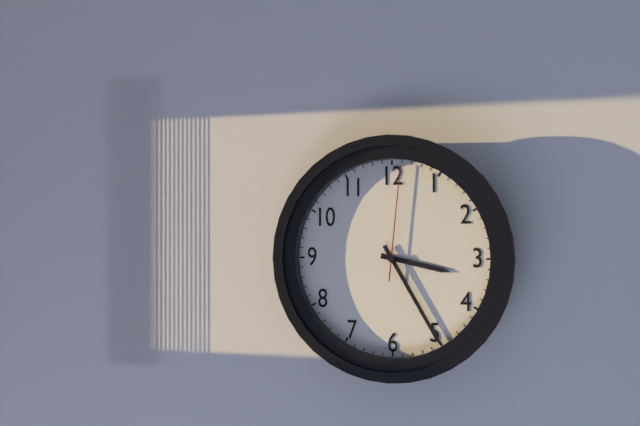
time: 3:25:01
